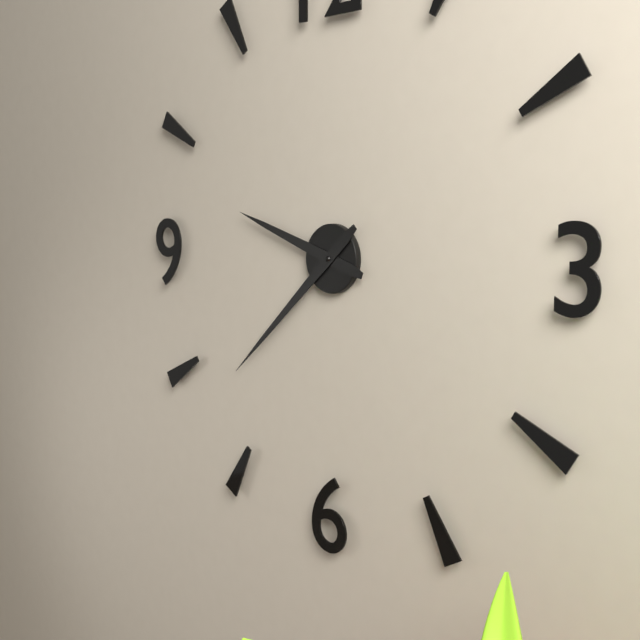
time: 9:38
